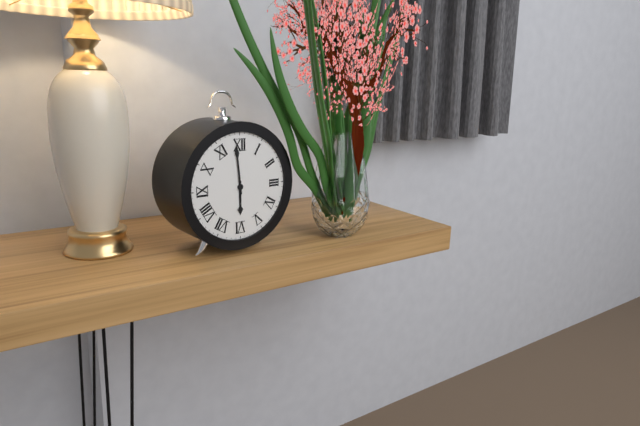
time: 5:59
